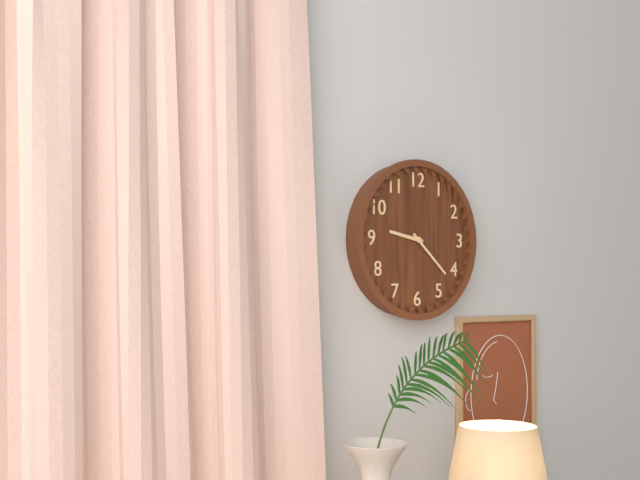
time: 9:22
